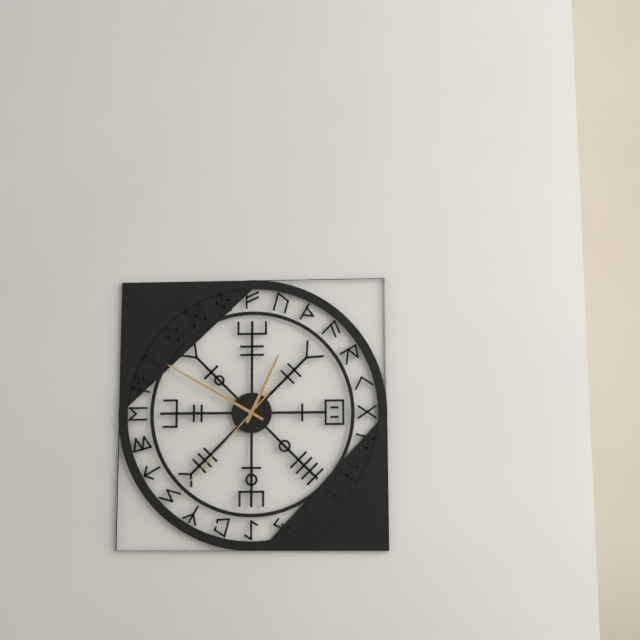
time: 12:50:37
